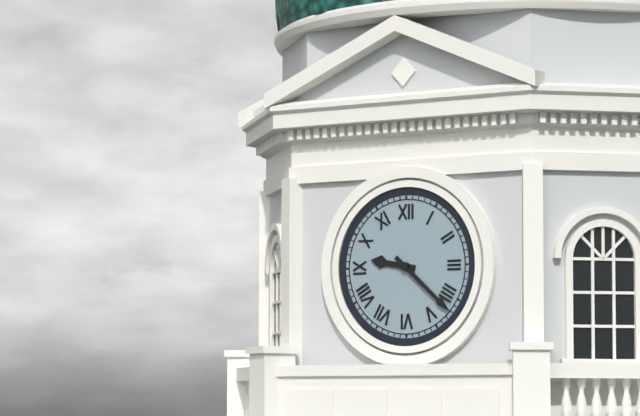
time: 9:22
